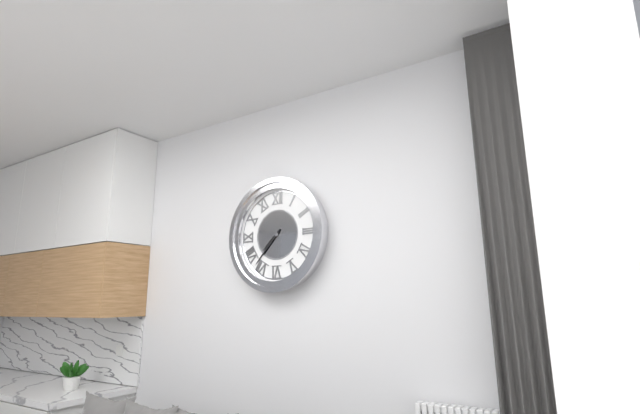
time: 7:37
